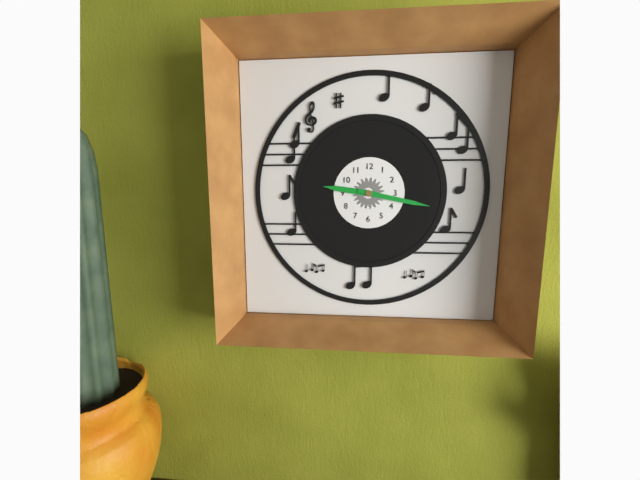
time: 9:17
